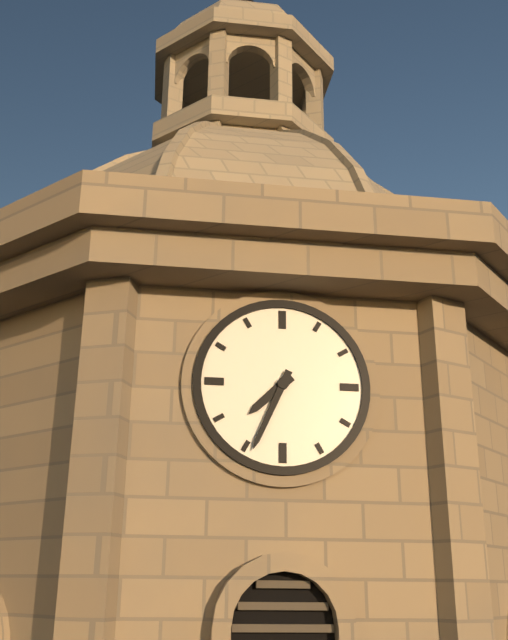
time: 7:34
